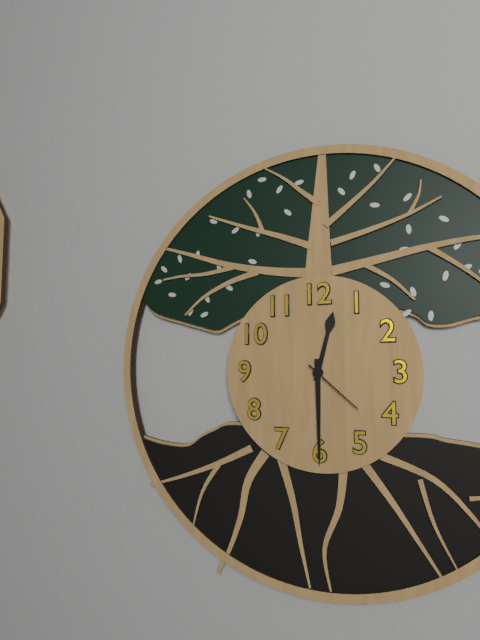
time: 12:30:22
